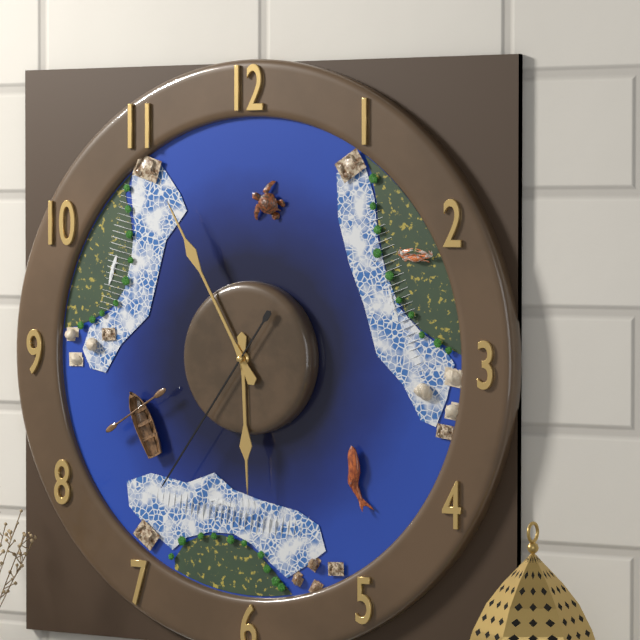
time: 5:55:36
